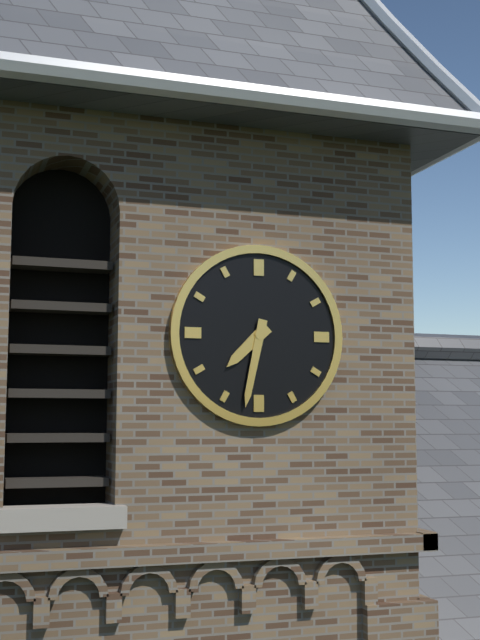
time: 7:32
